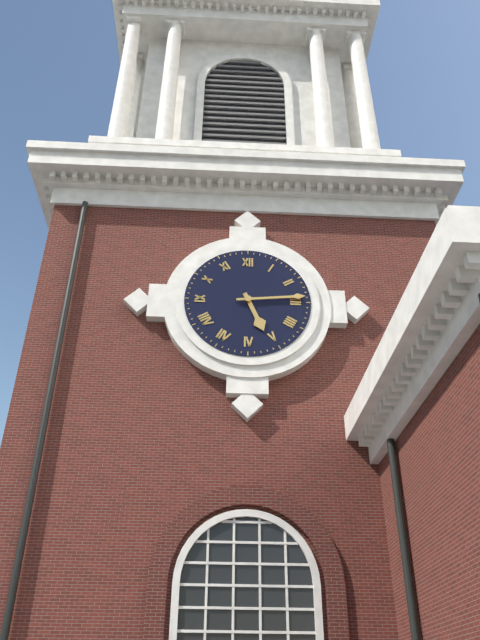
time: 5:14
